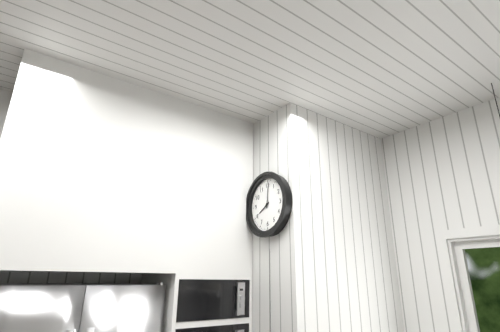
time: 8:01
